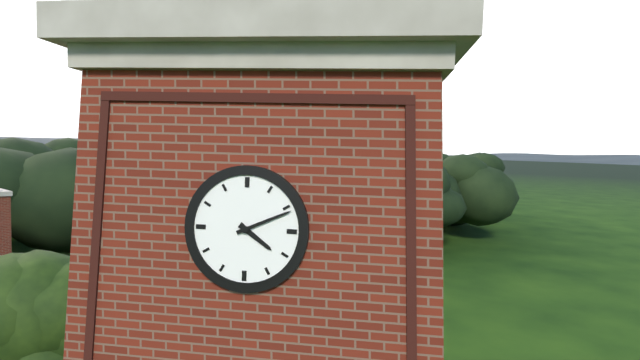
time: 4:11
